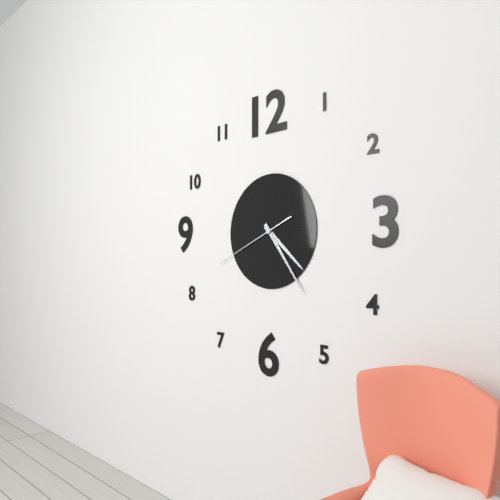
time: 4:24:41
